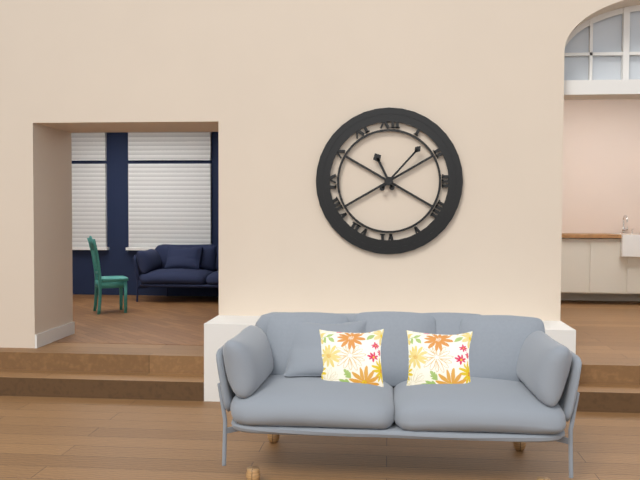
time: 11:07
